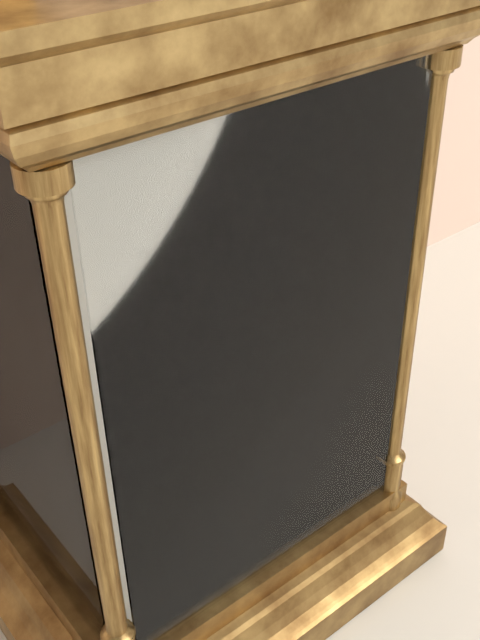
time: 2:01
